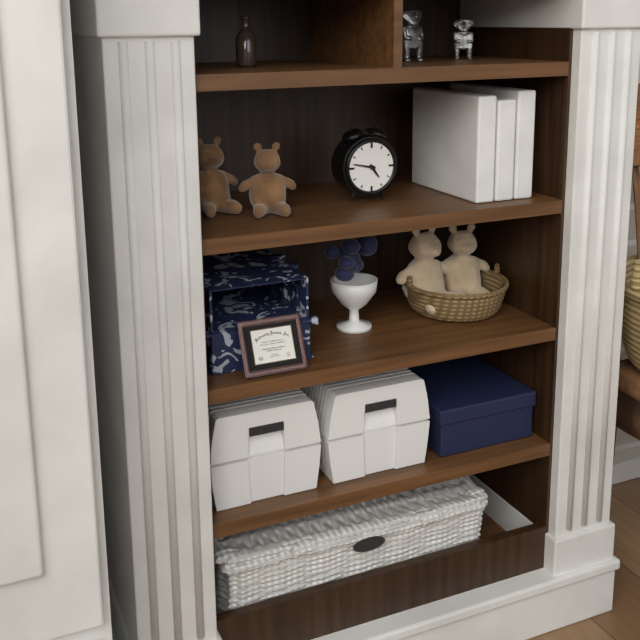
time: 4:47
